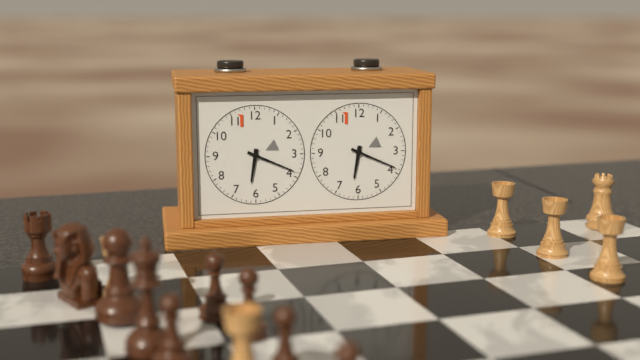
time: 6:19
